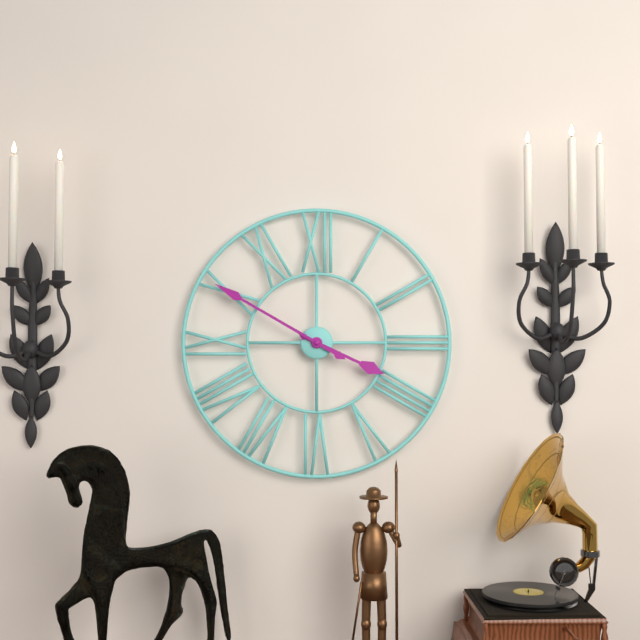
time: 3:50
